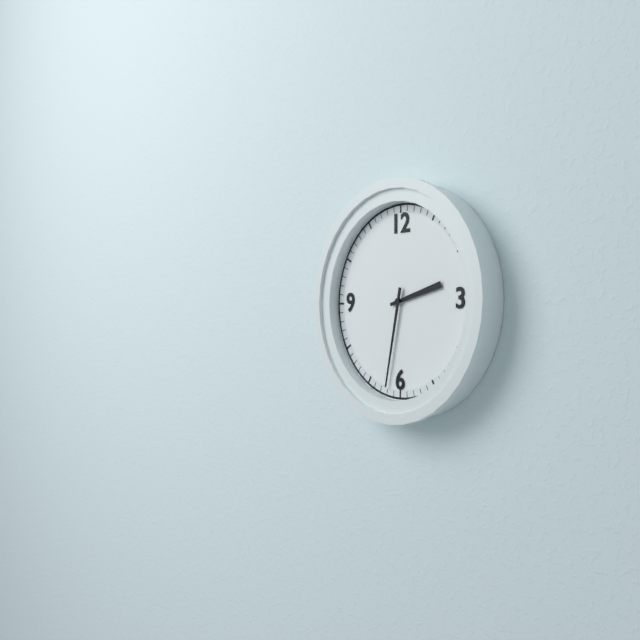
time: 2:32
